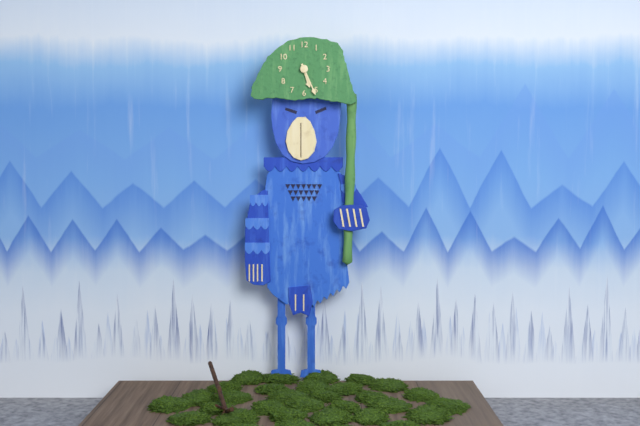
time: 5:26
